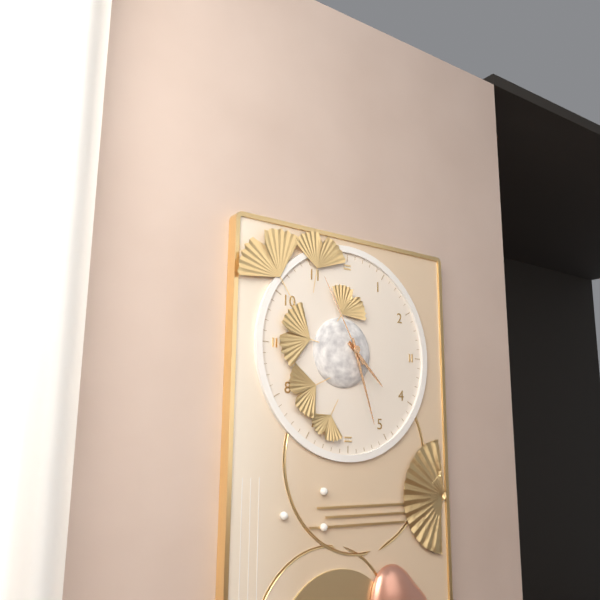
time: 4:27:55
